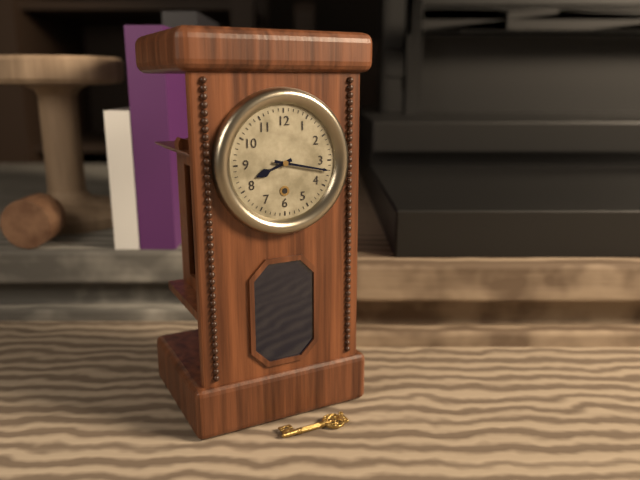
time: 8:17
